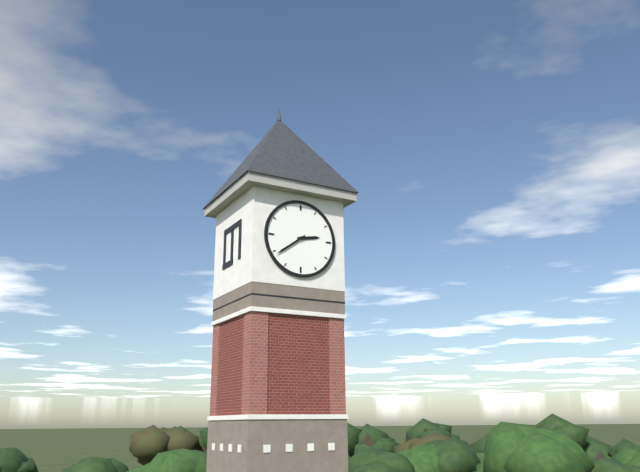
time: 2:39
